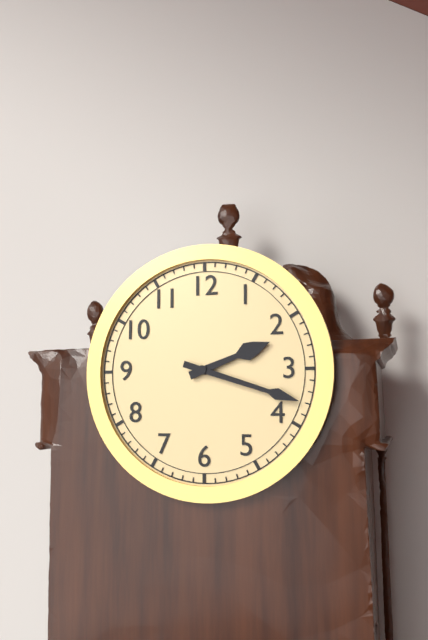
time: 2:18
